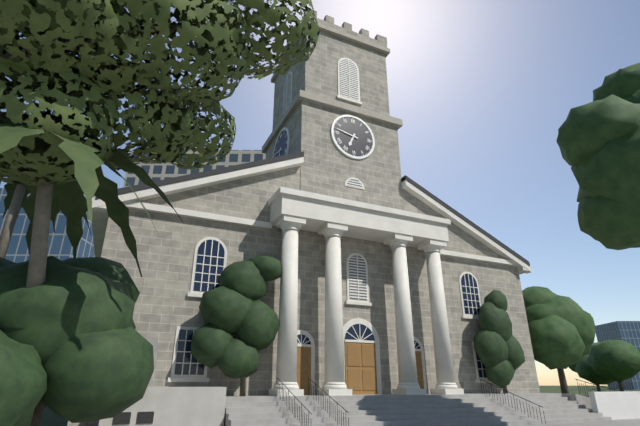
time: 6:47
